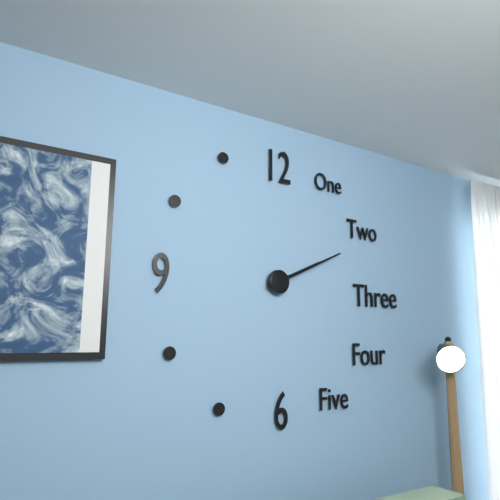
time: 2:11
